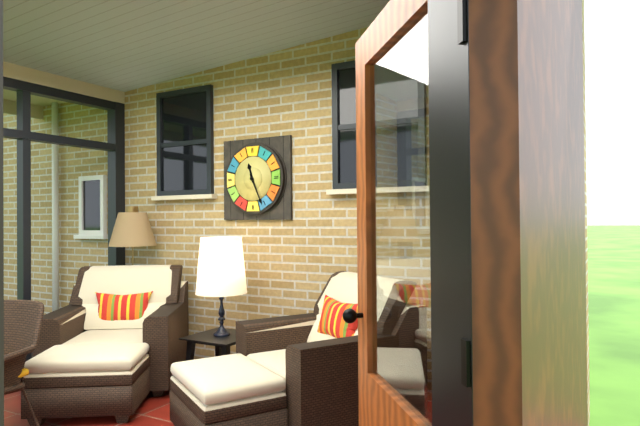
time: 11:26
